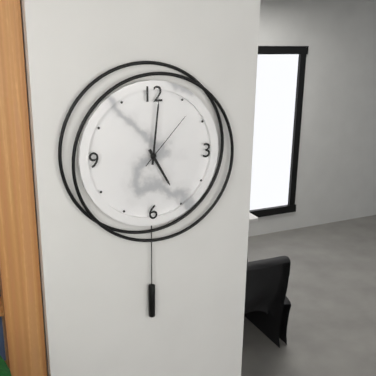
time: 5:01:07
